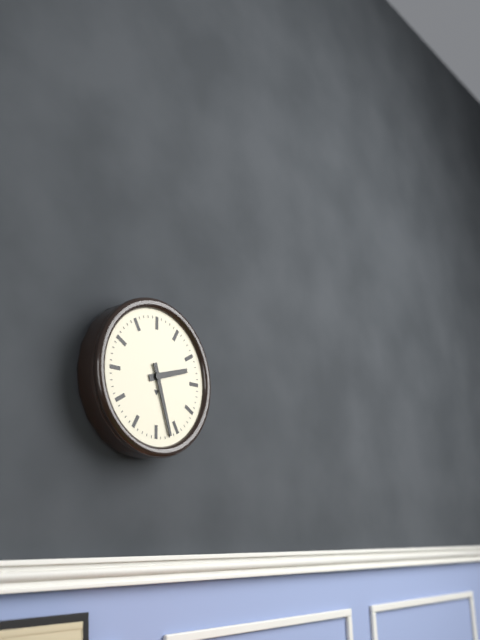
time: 2:27
